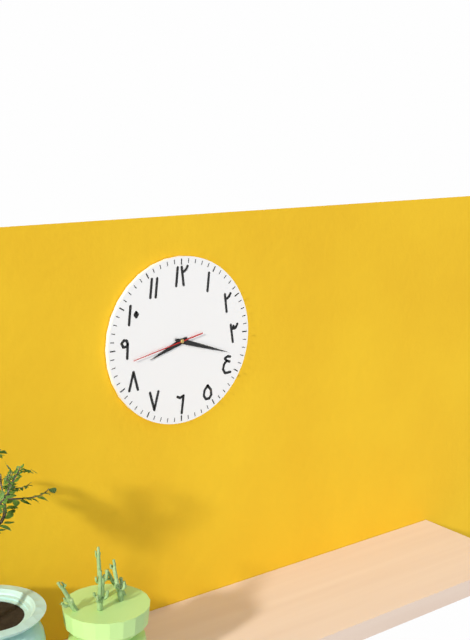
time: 8:18:43
